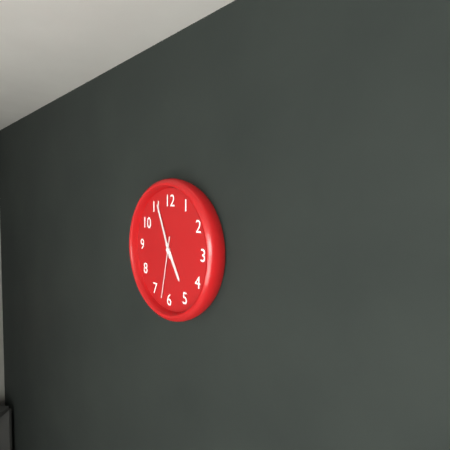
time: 4:56:32
